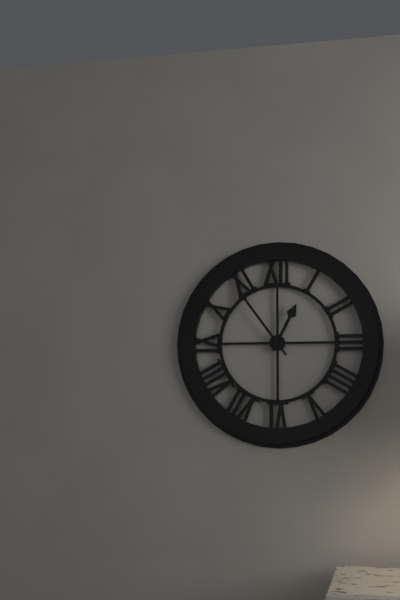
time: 12:54
